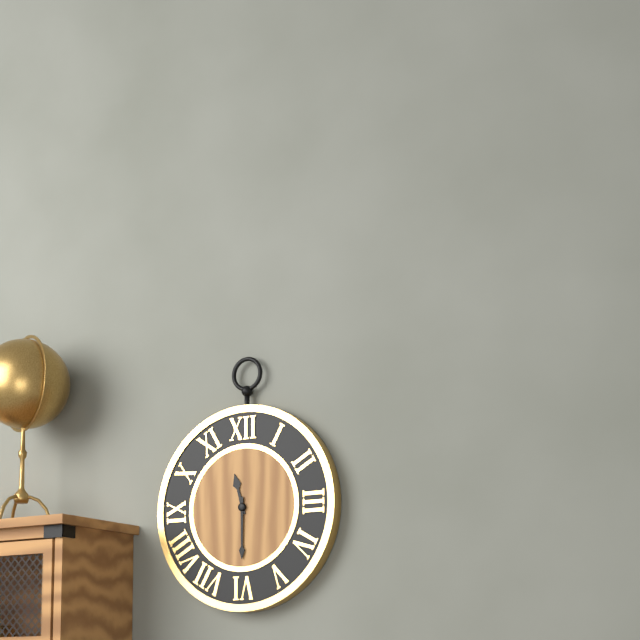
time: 11:30
